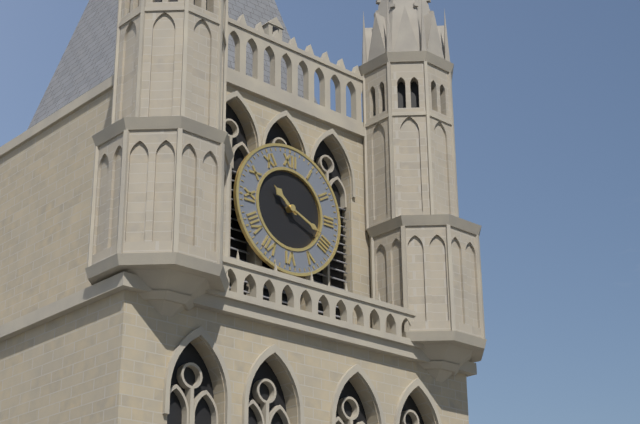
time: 10:19
